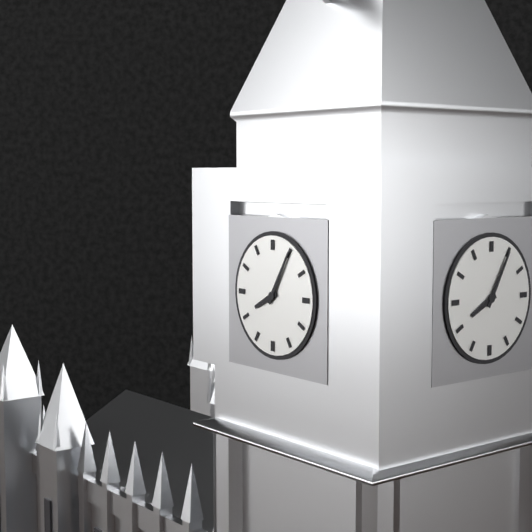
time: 8:05
